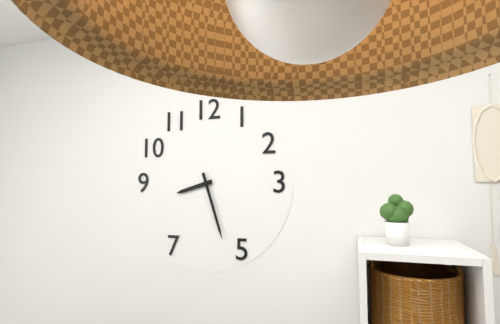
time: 8:27
